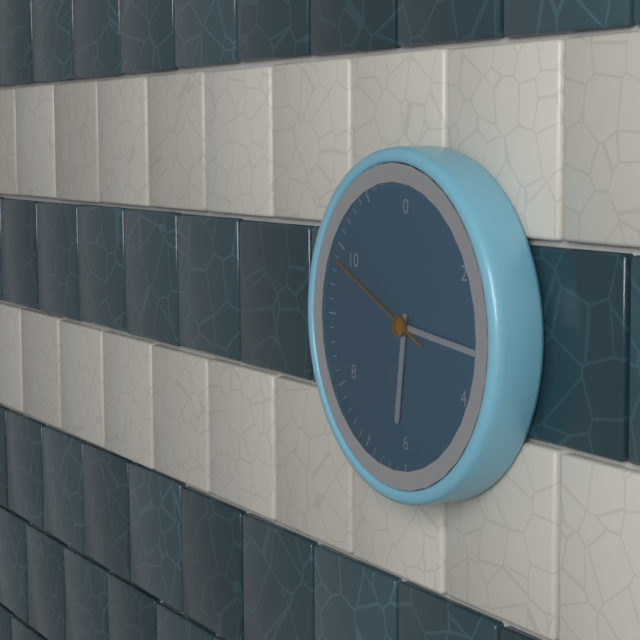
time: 6:16:49
